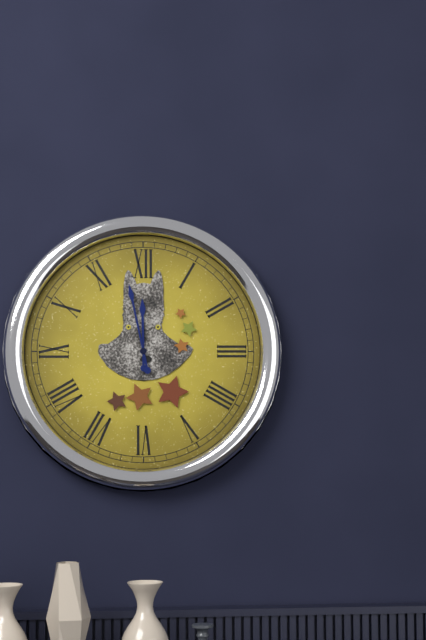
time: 11:58
